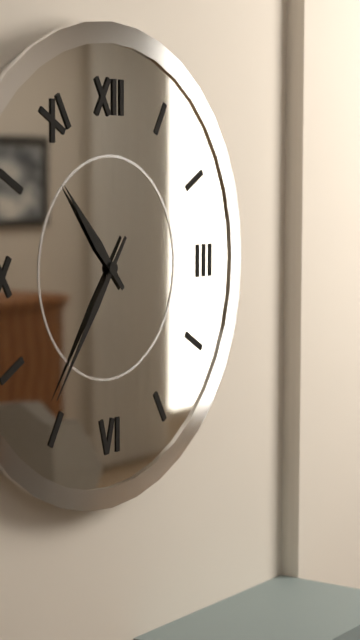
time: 10:36
